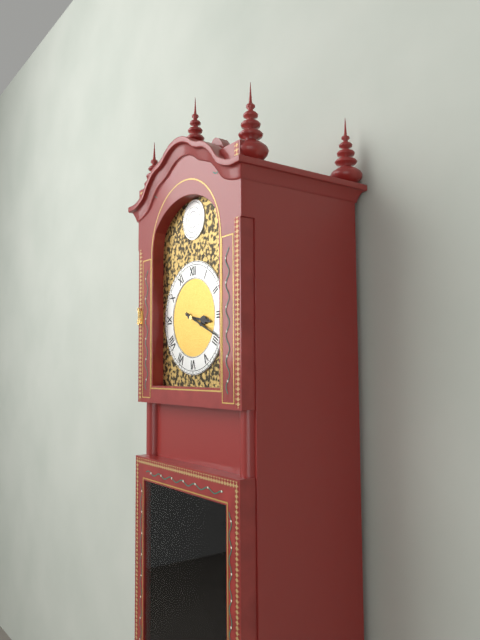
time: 3:19
